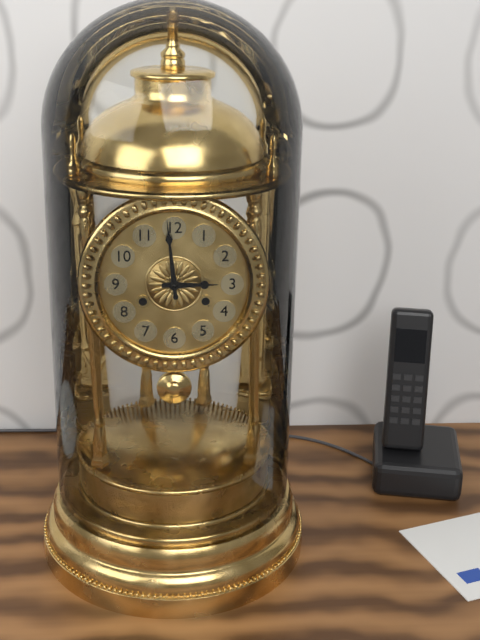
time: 2:59
